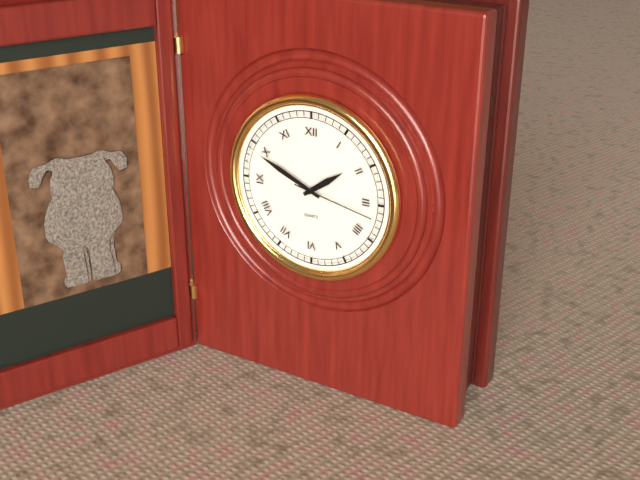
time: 1:49:17
